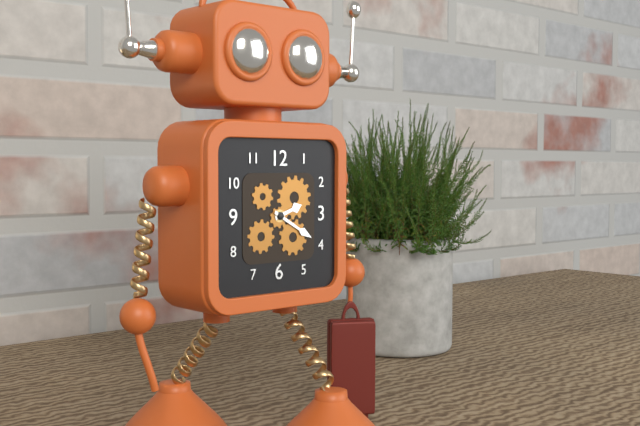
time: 2:20
